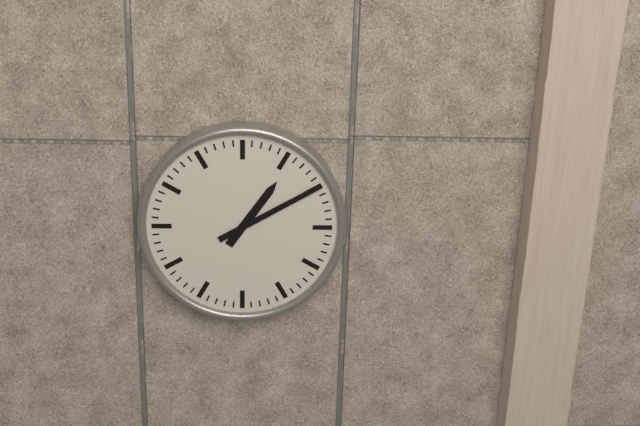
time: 1:10
